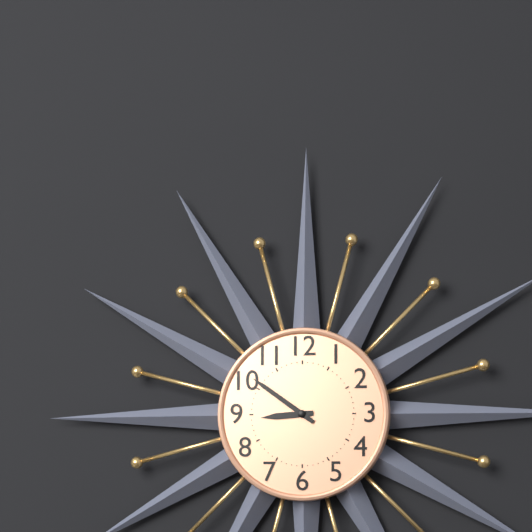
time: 8:51
